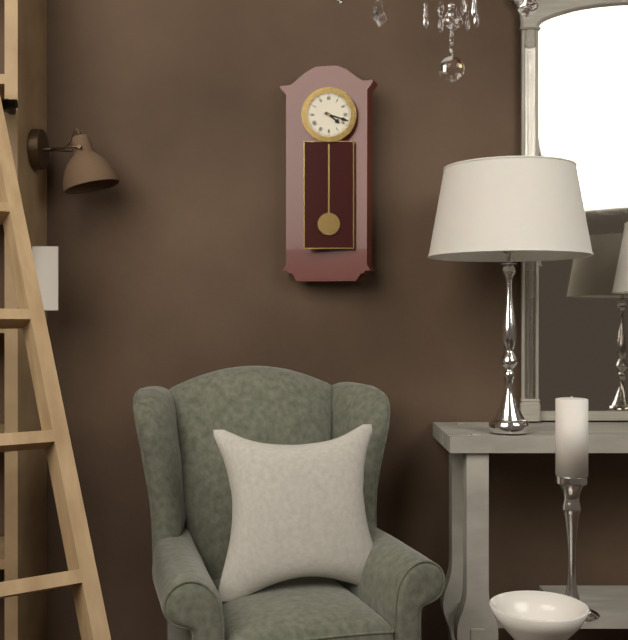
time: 4:18
